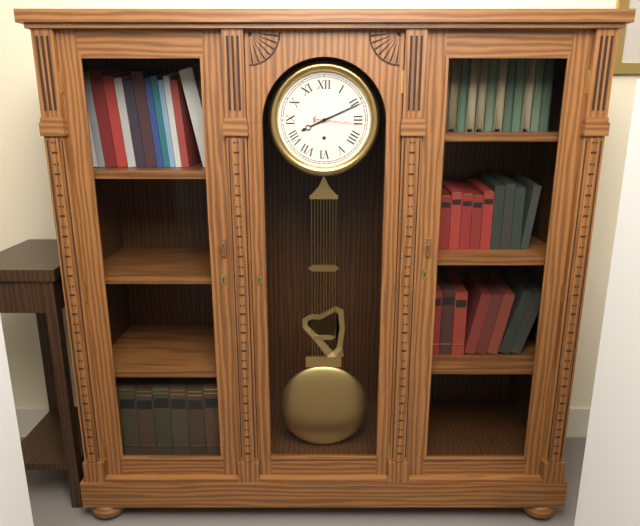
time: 8:11
